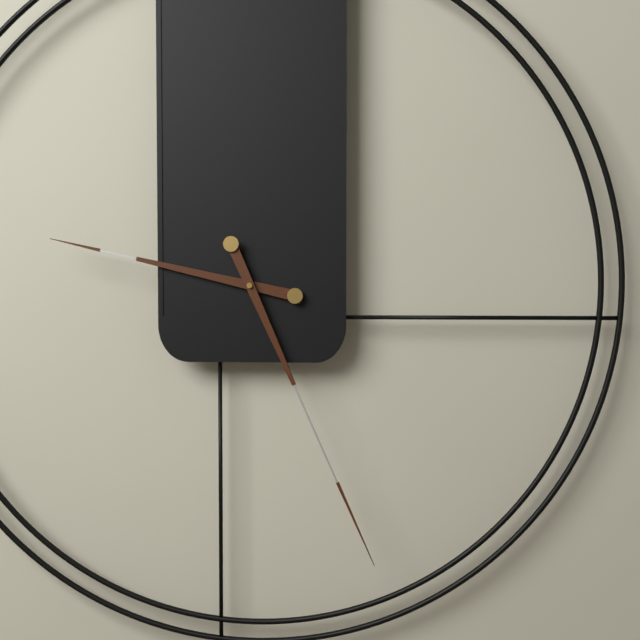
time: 9:26
